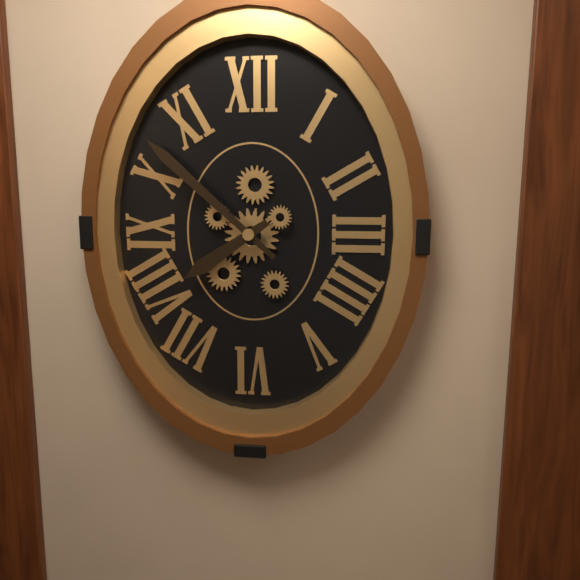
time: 7:52
